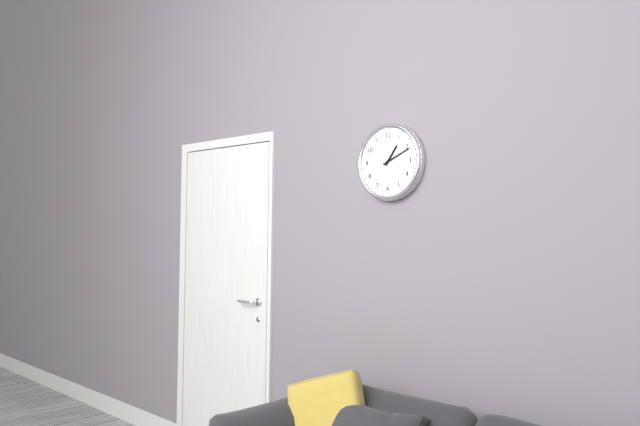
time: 1:11
